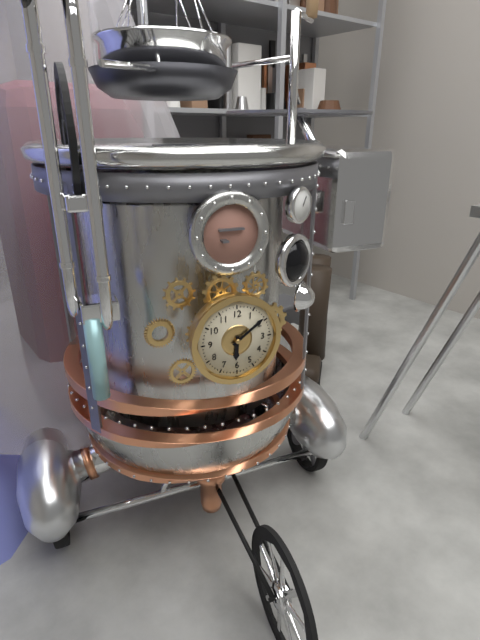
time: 6:09
